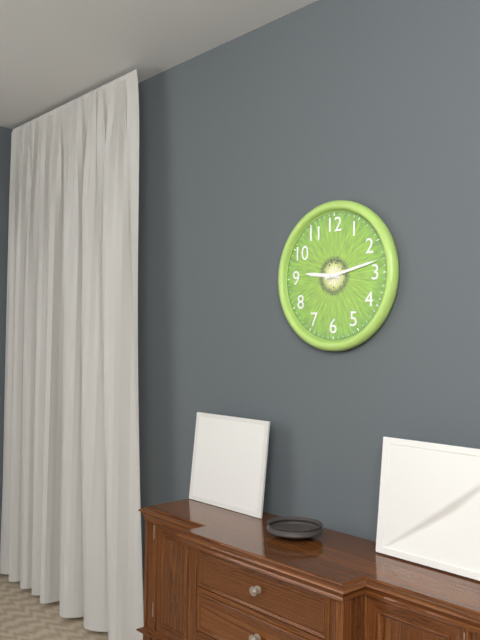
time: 9:13
